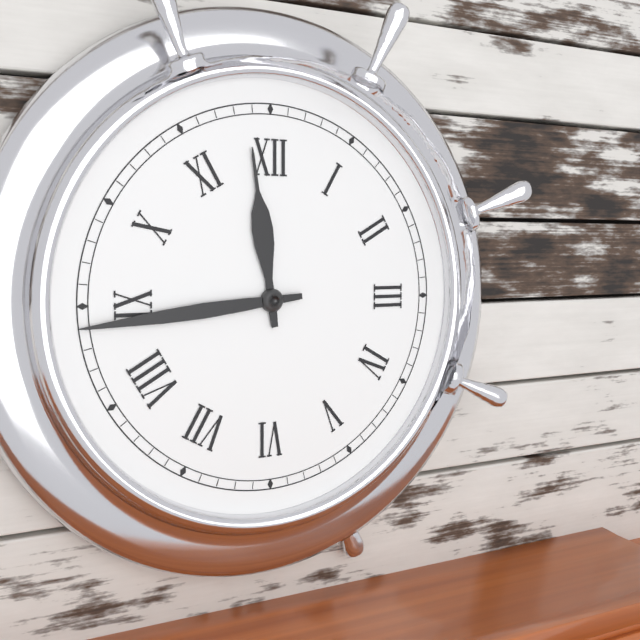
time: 11:44
